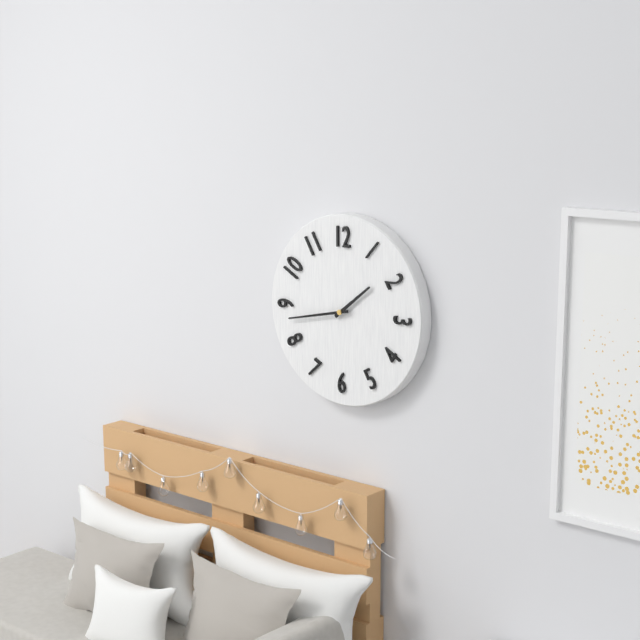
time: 1:43
